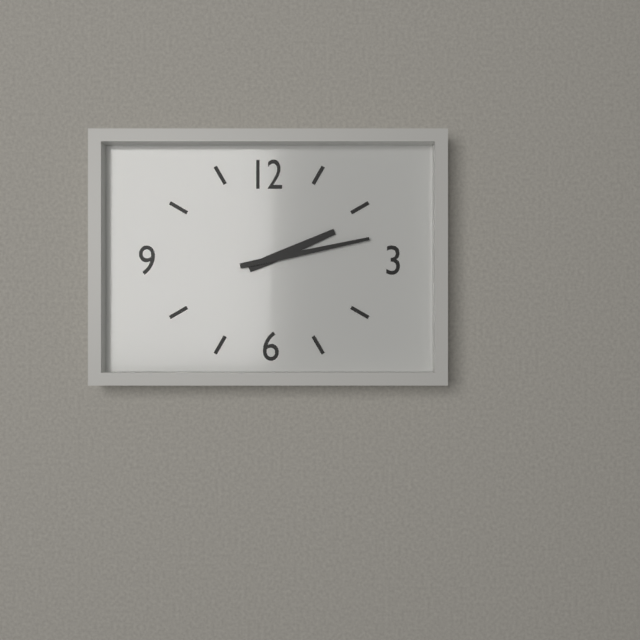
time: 2:13
